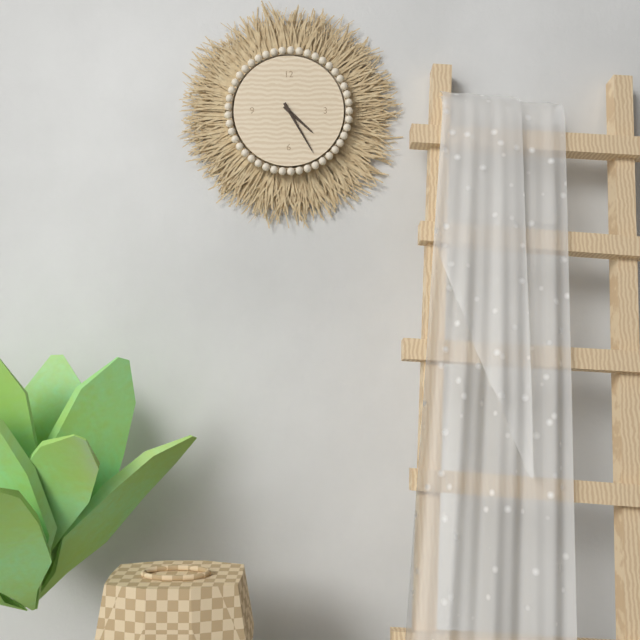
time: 4:25
